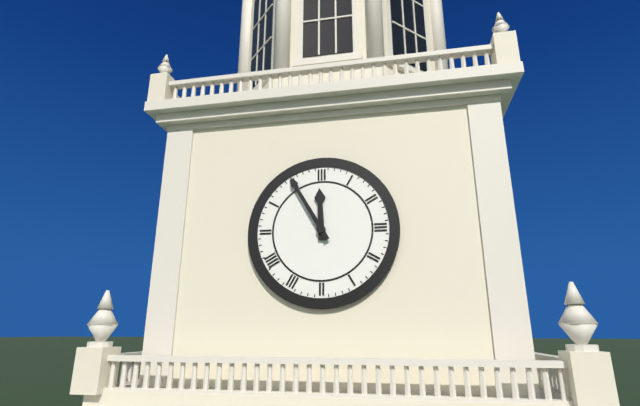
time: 11:55
